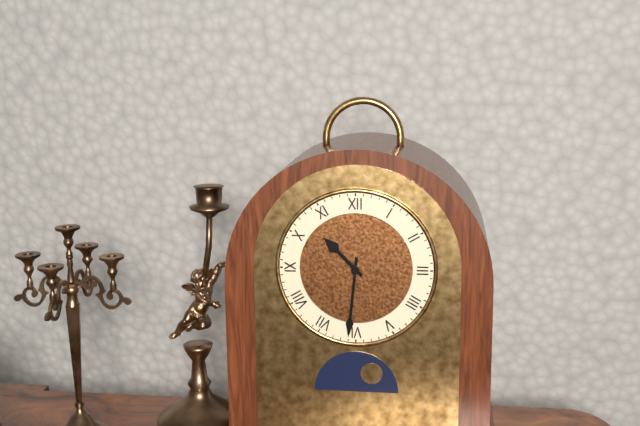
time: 10:31
